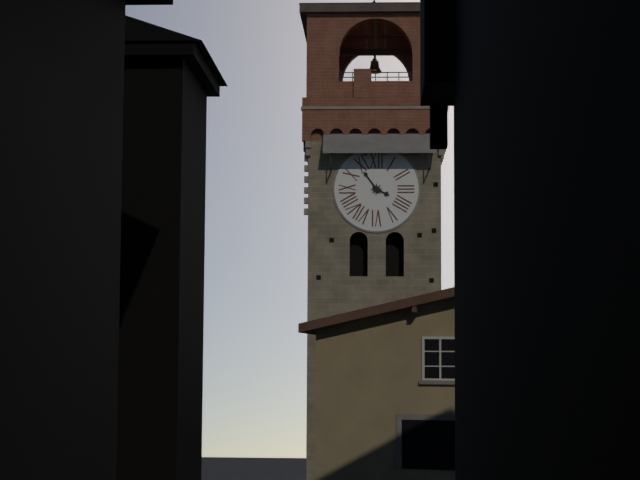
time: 3:54
